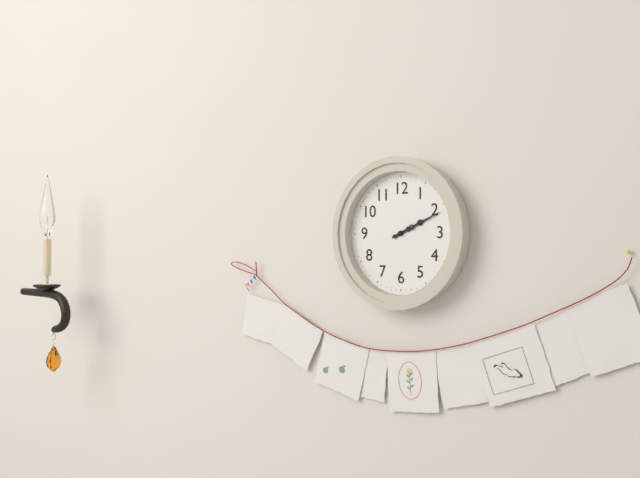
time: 2:11
